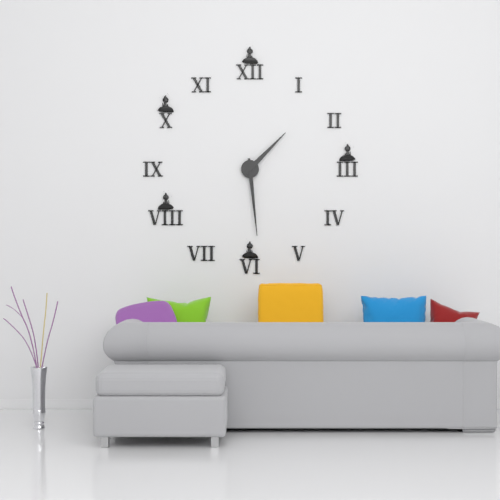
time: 1:29
